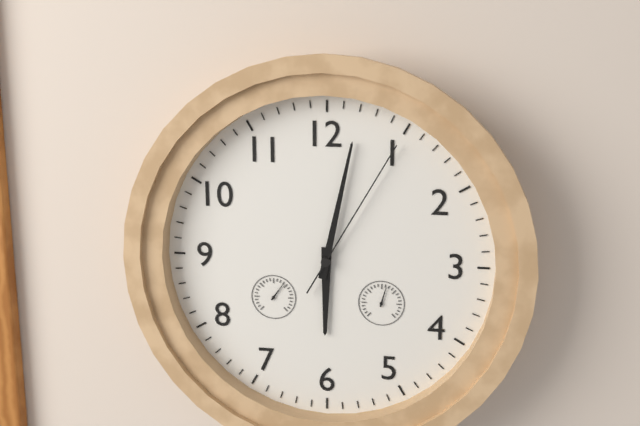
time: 6:02:05
